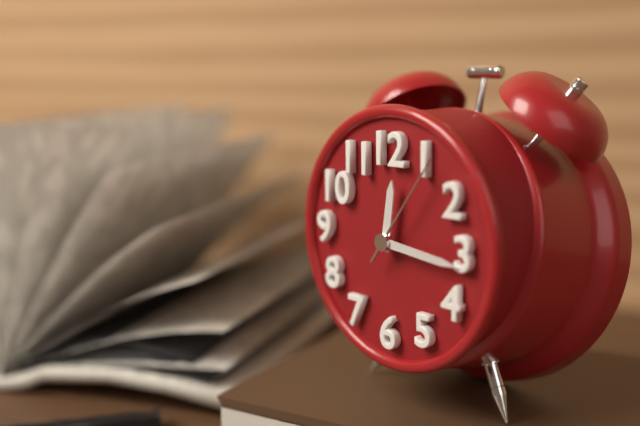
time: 12:16:06
